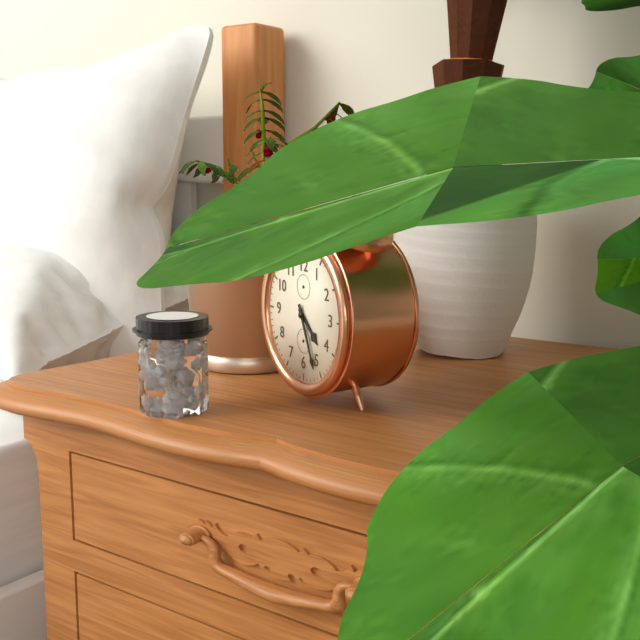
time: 4:26
